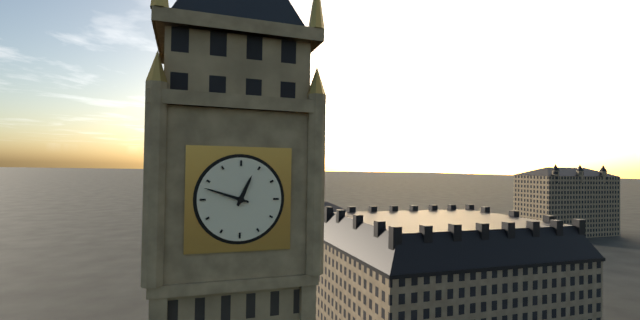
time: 12:48
